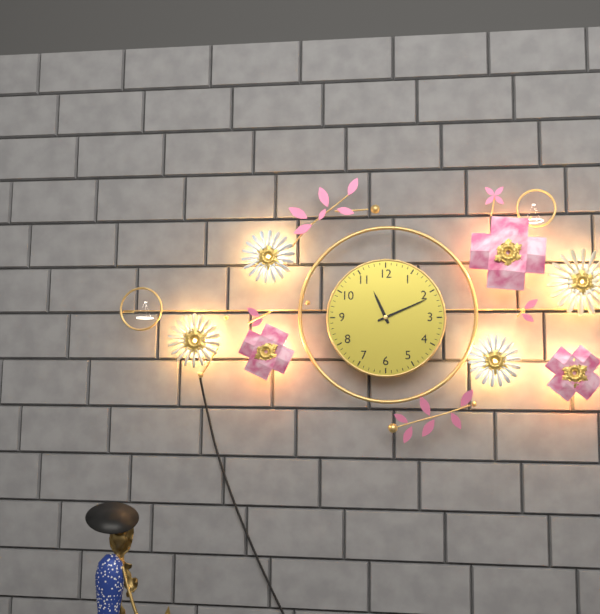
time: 11:11
